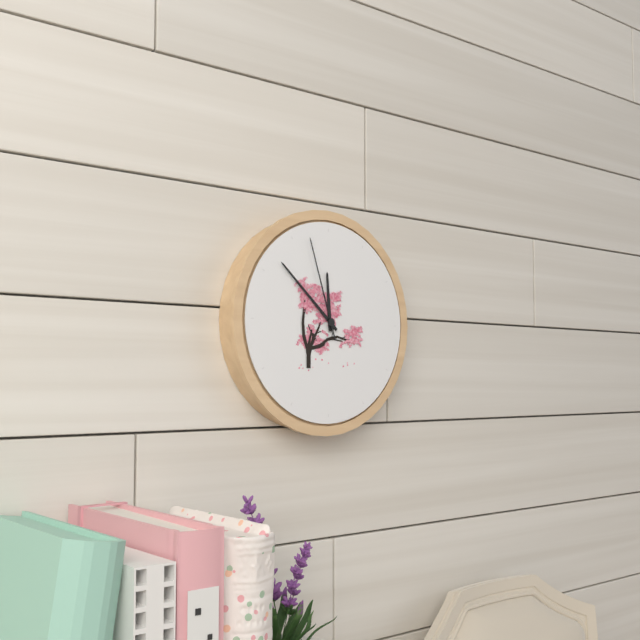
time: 11:52:57
